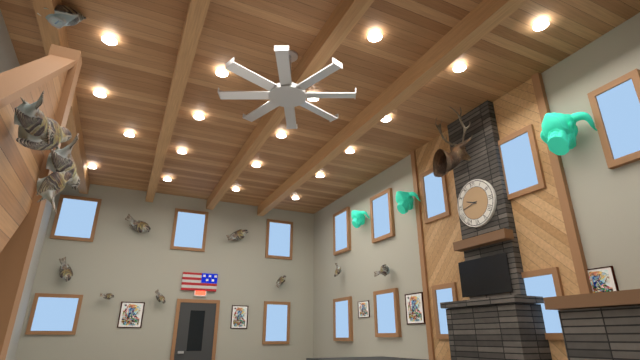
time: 9:43
